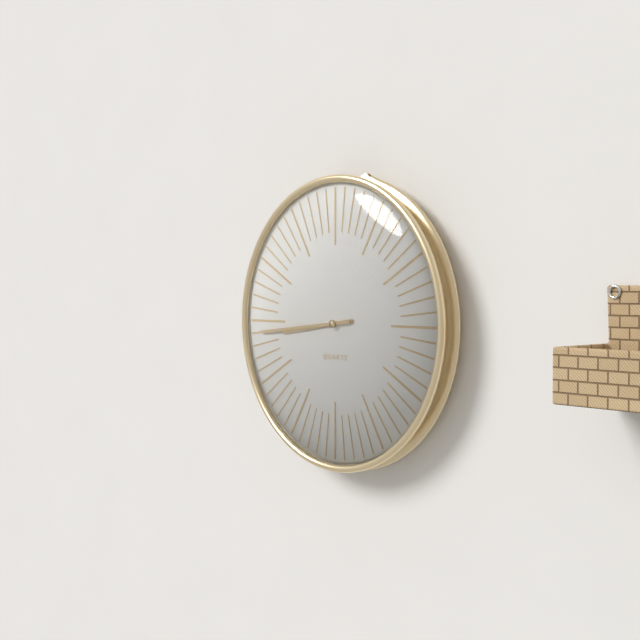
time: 8:44
